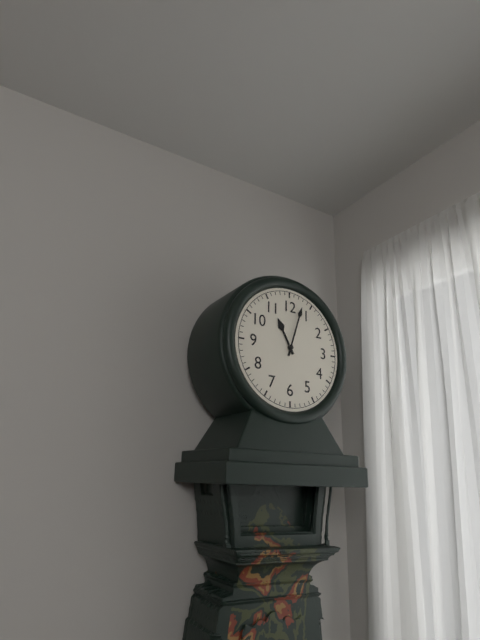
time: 11:03
